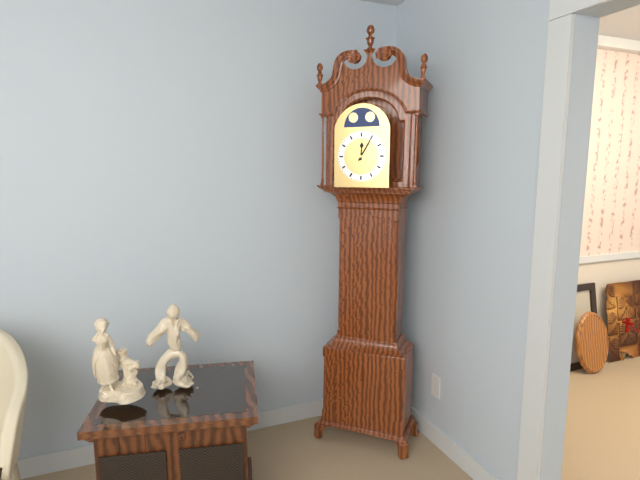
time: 12:05
